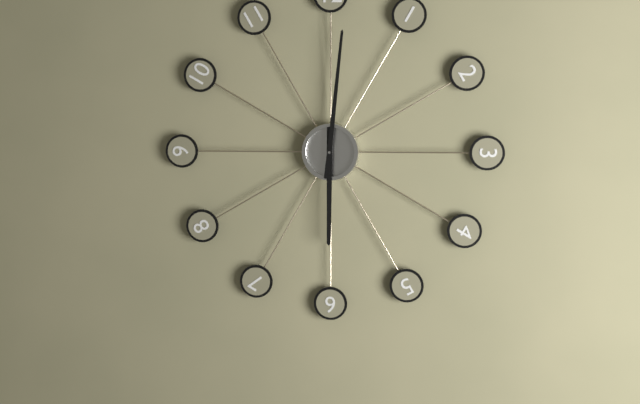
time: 6:01
